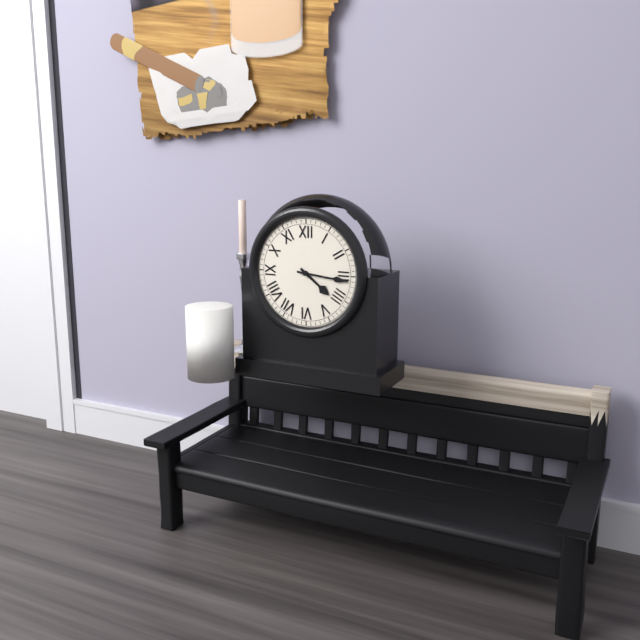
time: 4:16
